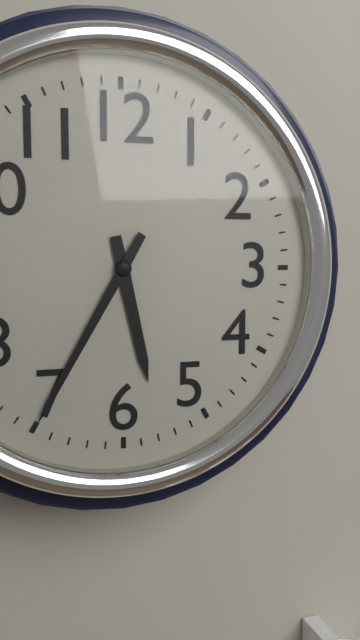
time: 5:35
